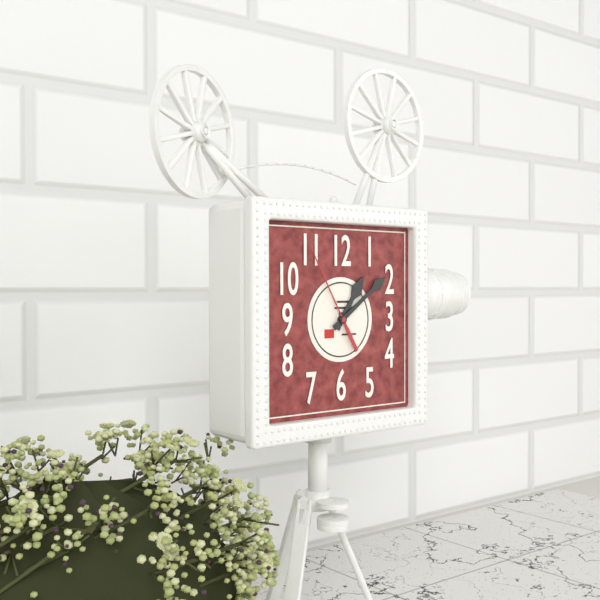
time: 1:09:55
